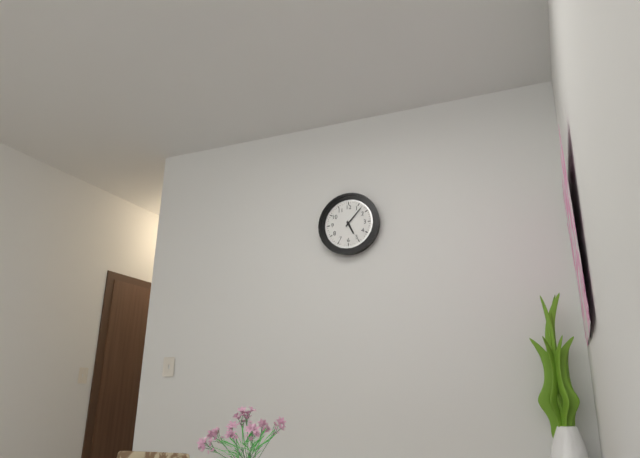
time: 5:07
